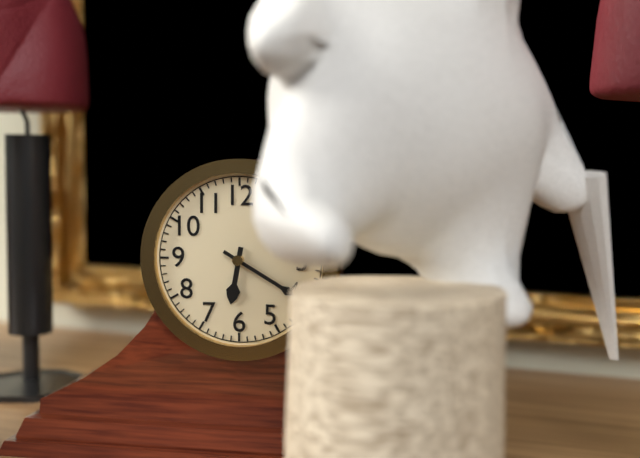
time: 6:20
